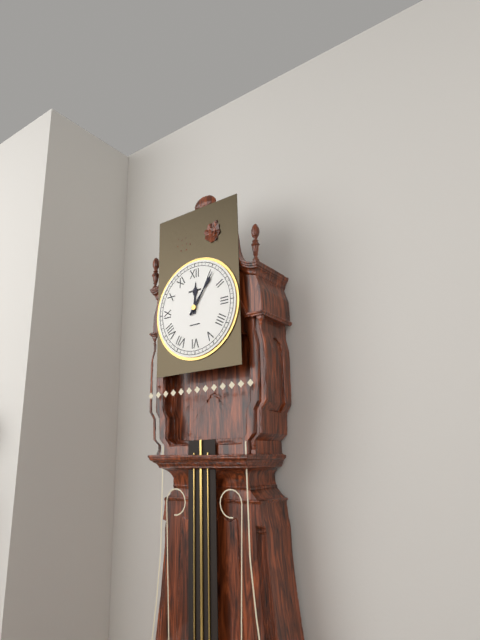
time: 12:06
